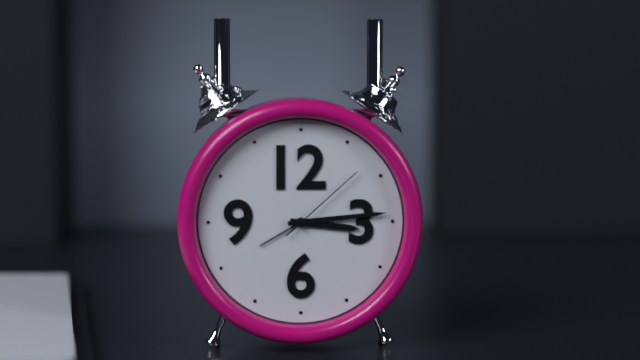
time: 3:14:08
